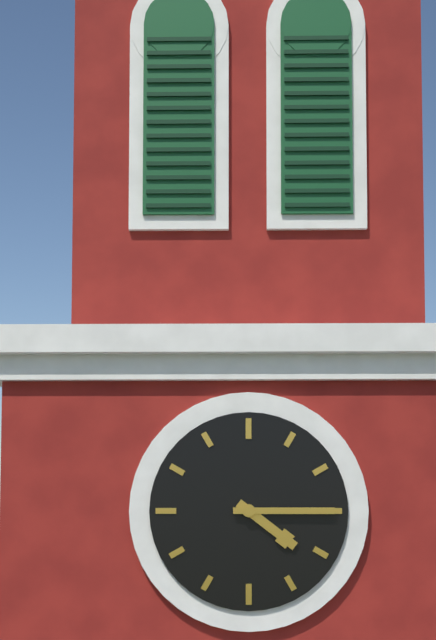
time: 4:15
